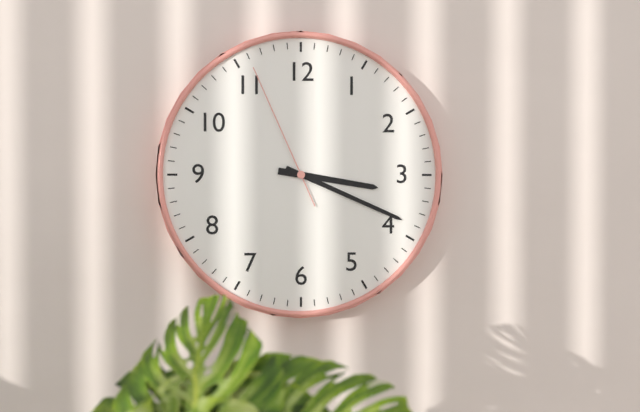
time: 3:19:56
